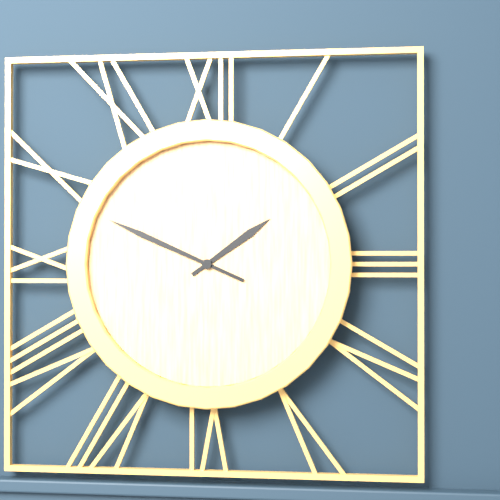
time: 1:49
